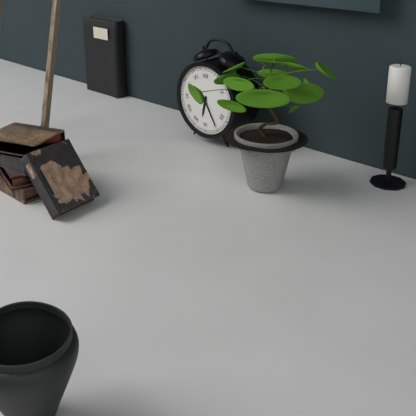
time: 6:25
